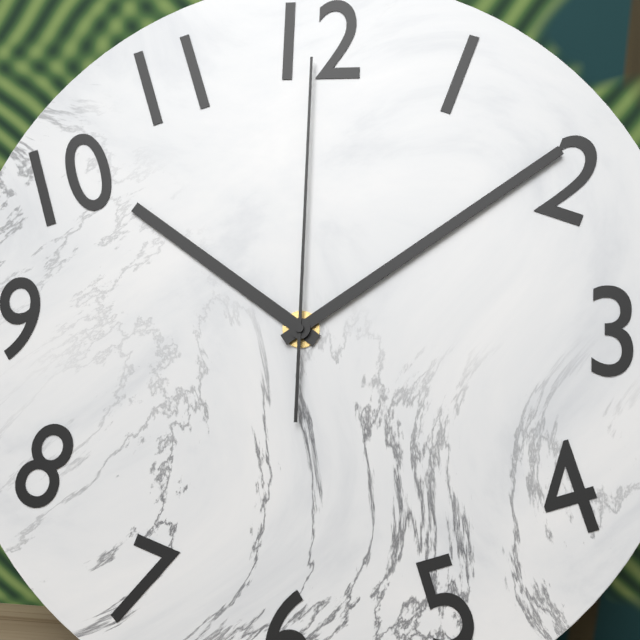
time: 10:09:00
